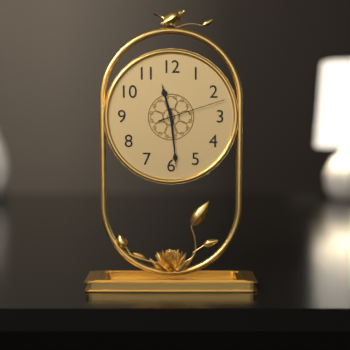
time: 11:29:12
